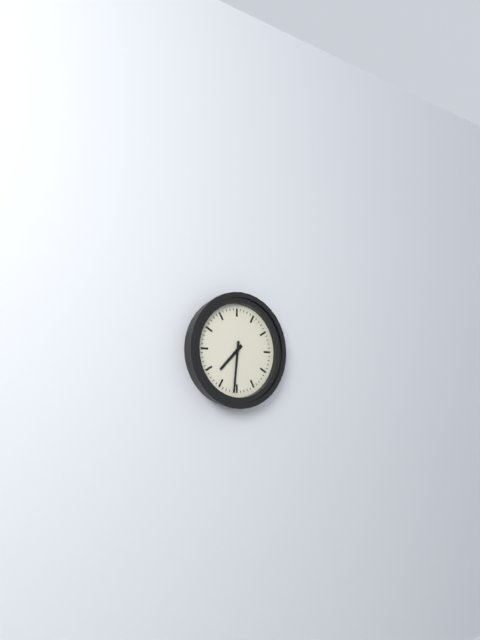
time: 7:31
